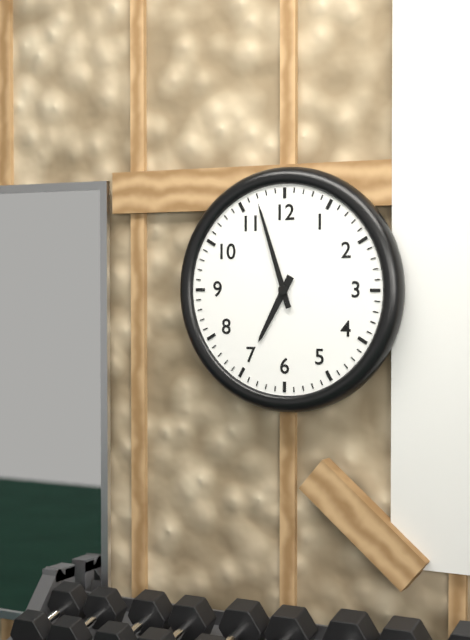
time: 6:57
